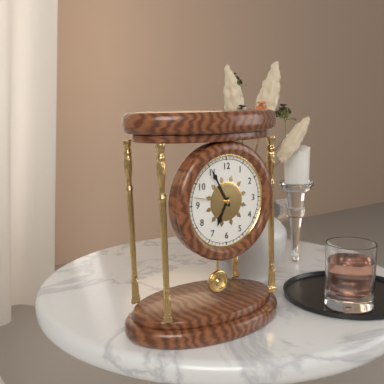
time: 6:55
